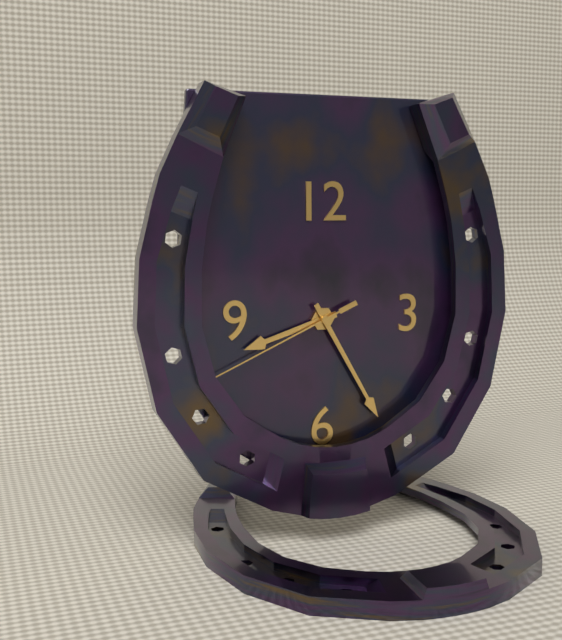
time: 8:25:41
